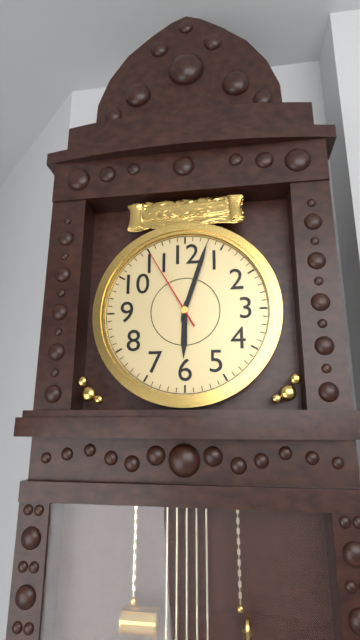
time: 6:03:55
